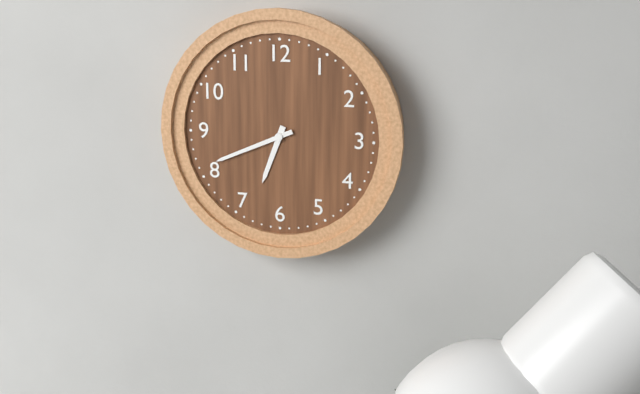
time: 6:41
